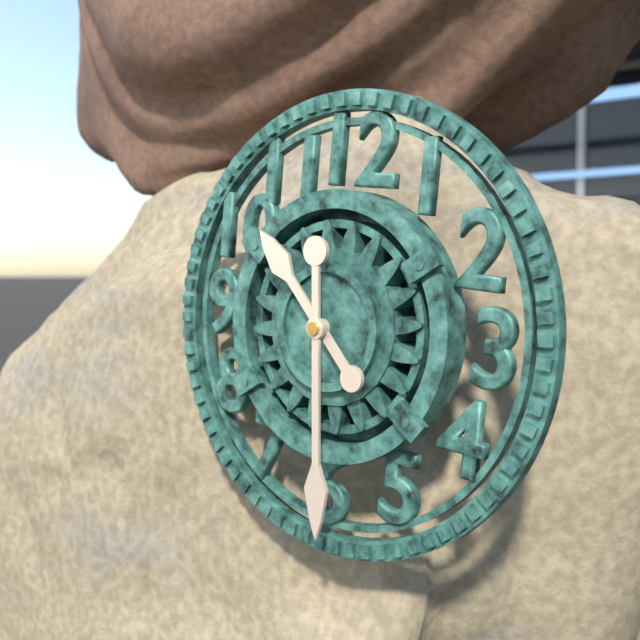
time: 10:29
